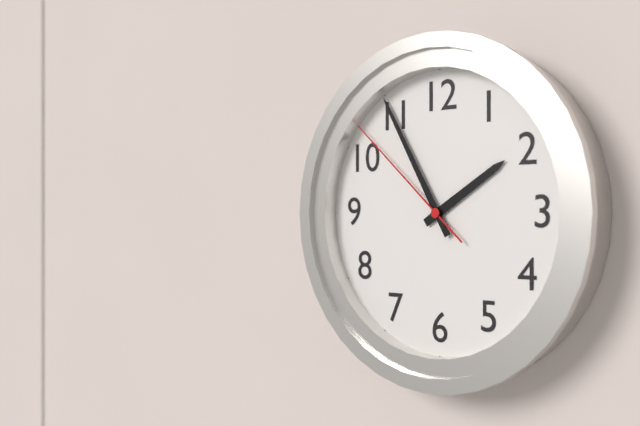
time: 1:55:52
